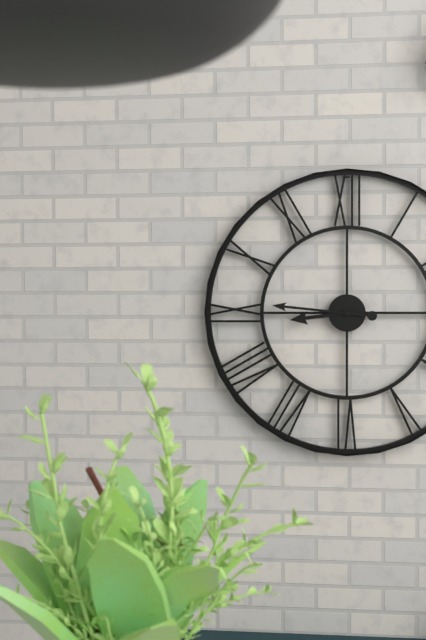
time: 8:46
